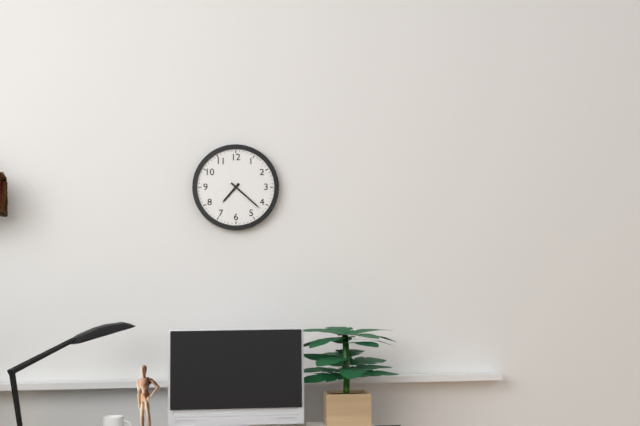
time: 7:22
